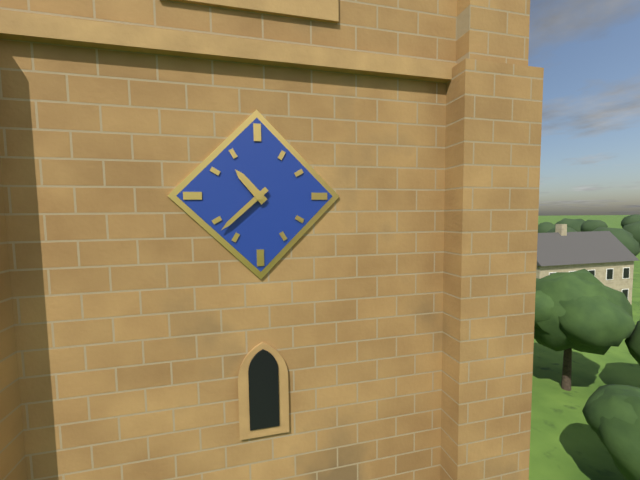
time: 10:38
